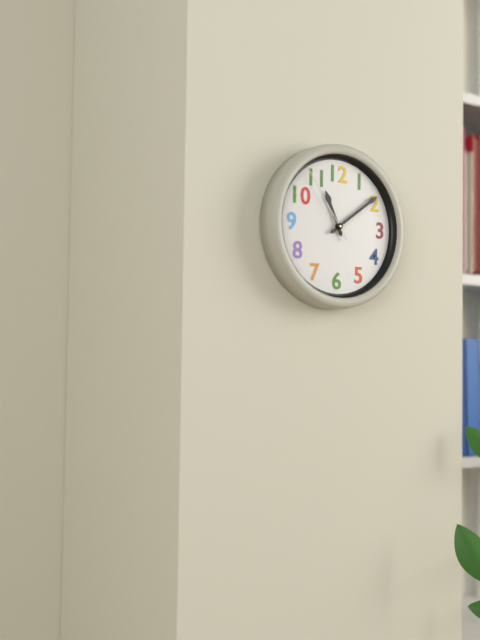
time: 11:09:54
